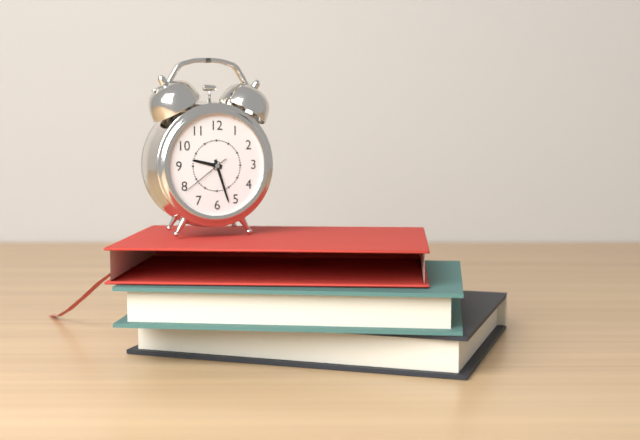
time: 9:27:39
